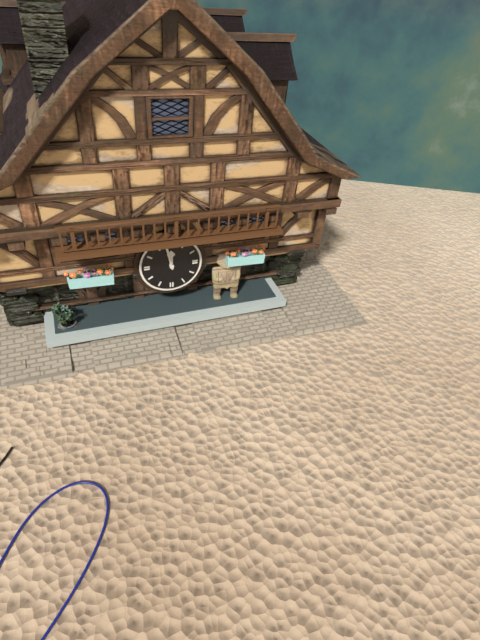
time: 11:58
